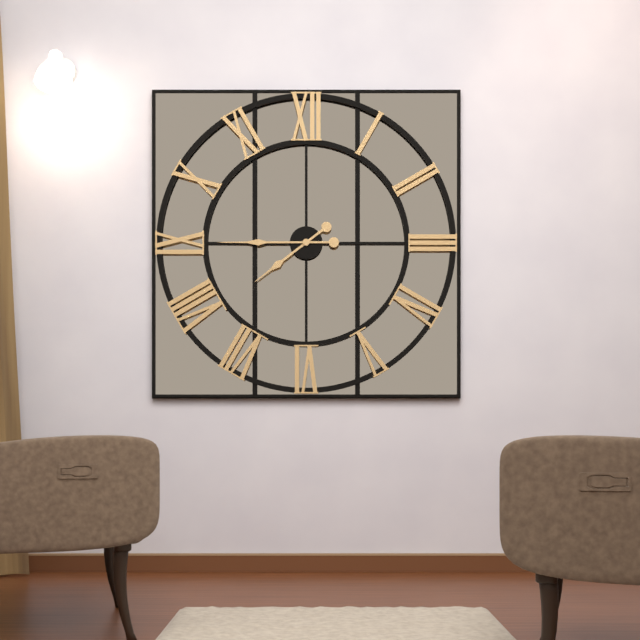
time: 7:45
